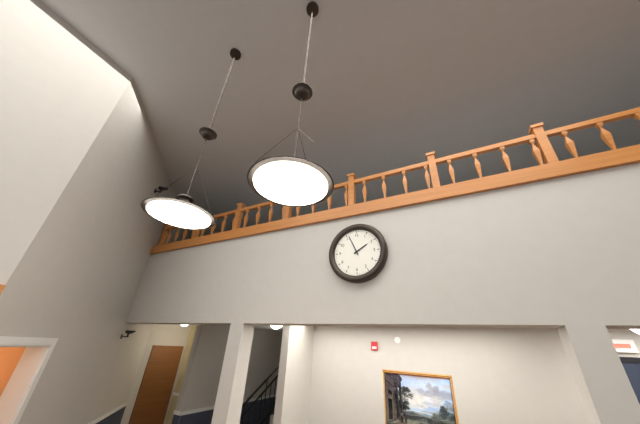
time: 1:56
